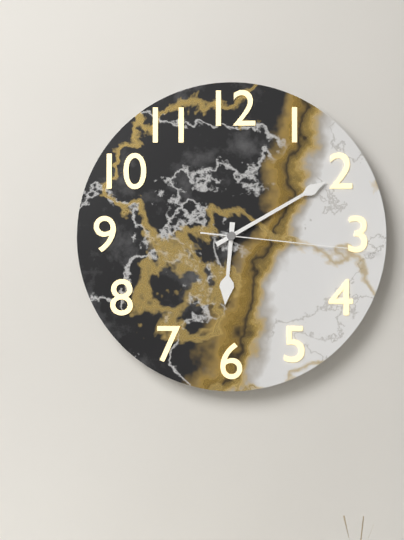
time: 6:10:16
